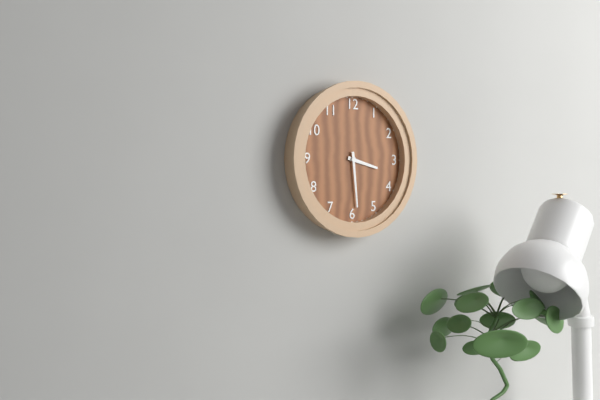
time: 3:29
